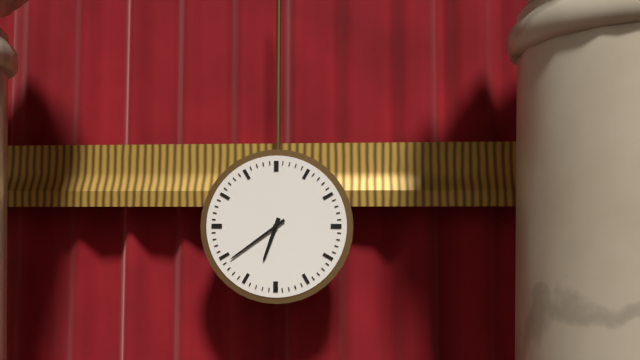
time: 6:39
